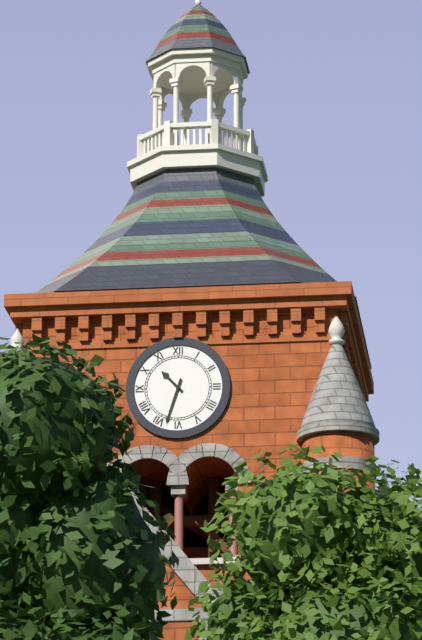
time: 10:33
